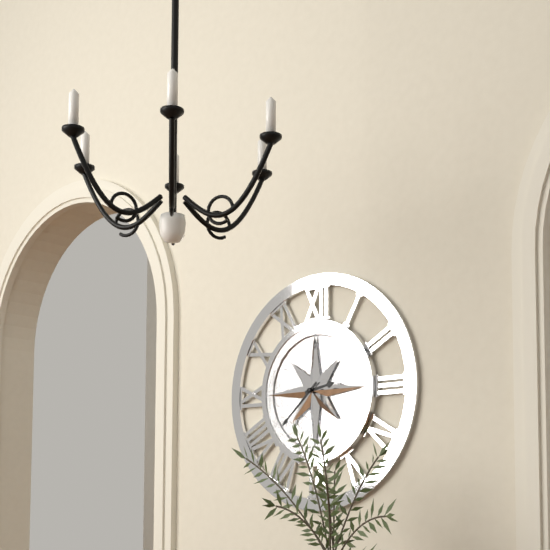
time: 2:38
